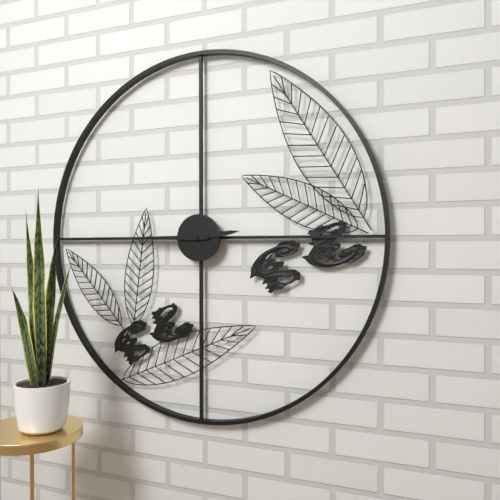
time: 2:45
